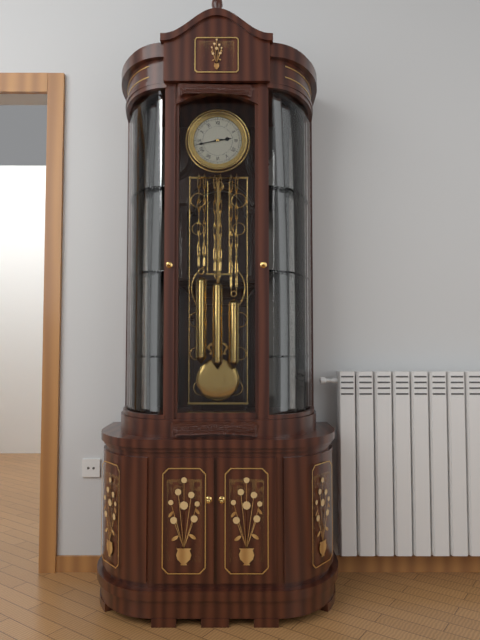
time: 2:43
